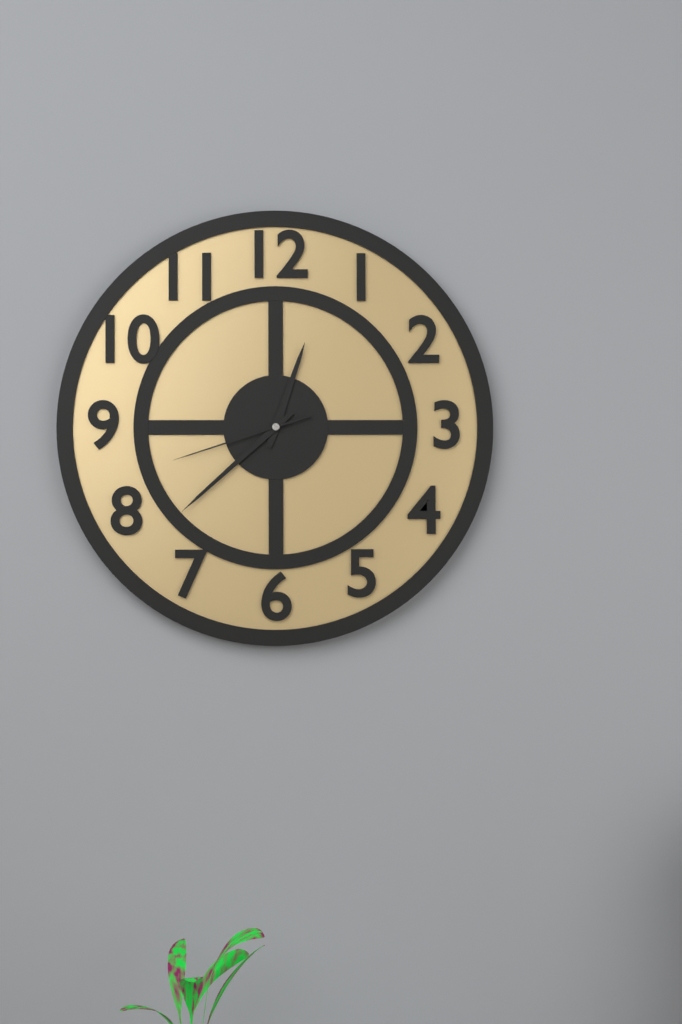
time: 12:38:42
